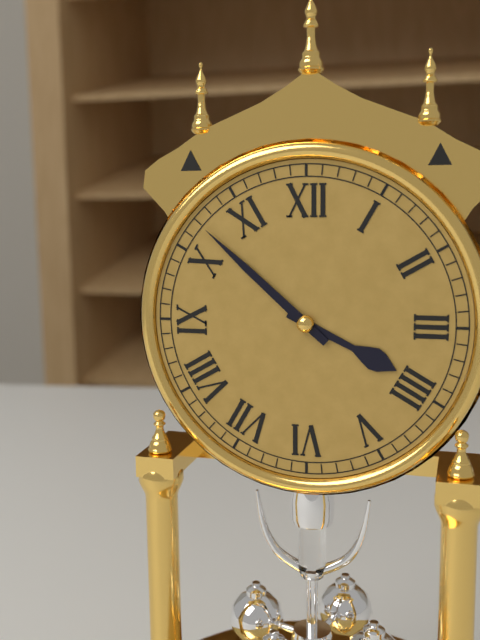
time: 3:52
